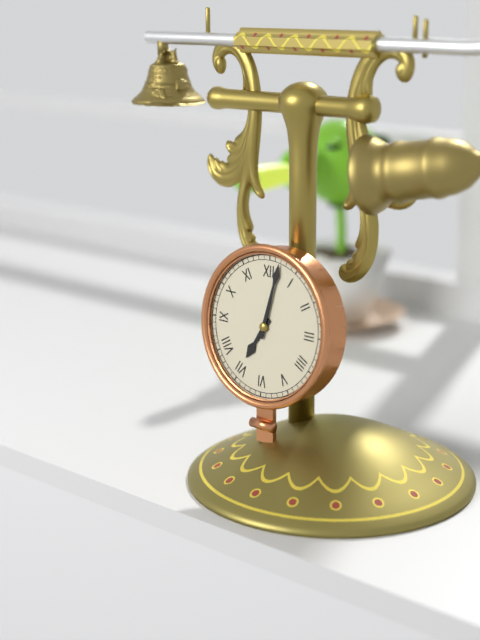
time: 7:02
